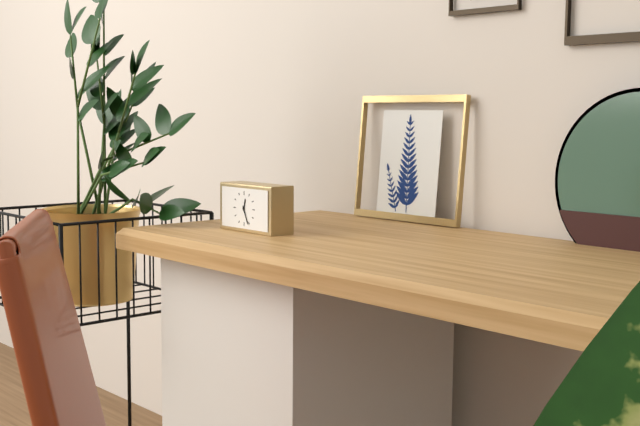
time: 12:26
